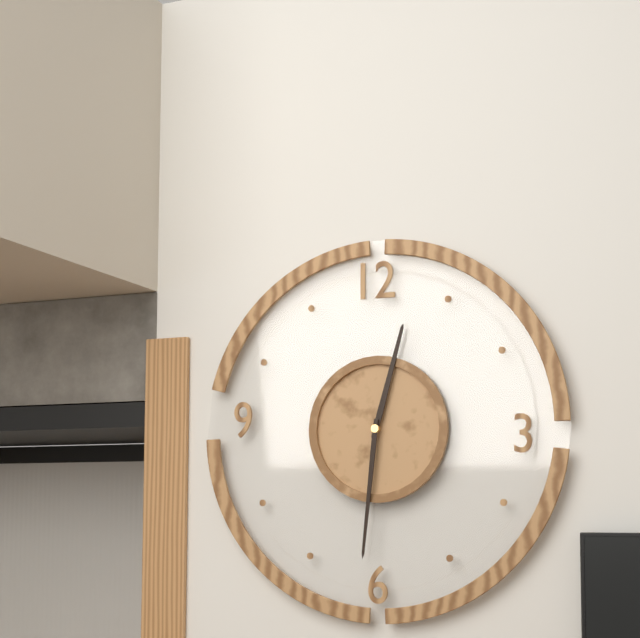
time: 12:31
